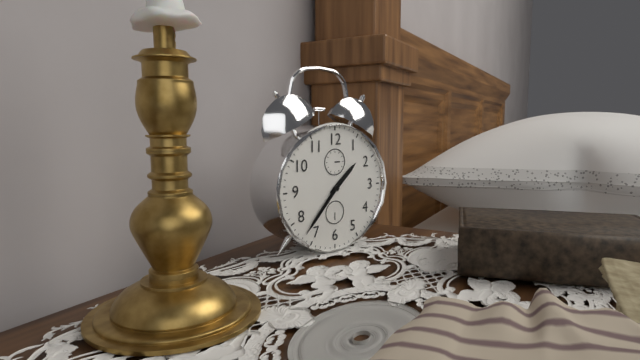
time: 1:37
